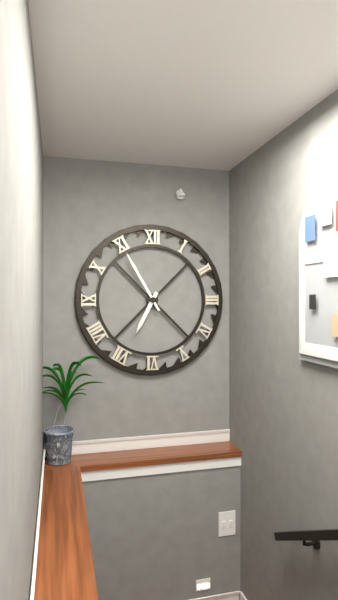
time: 6:55
